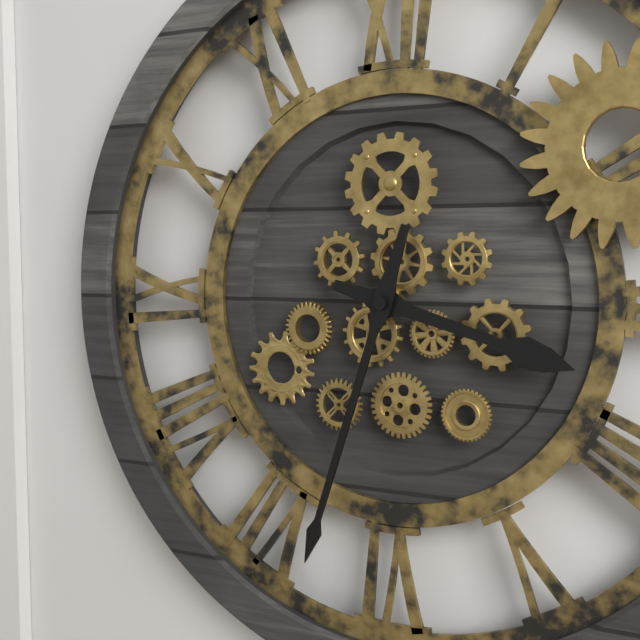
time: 3:33
